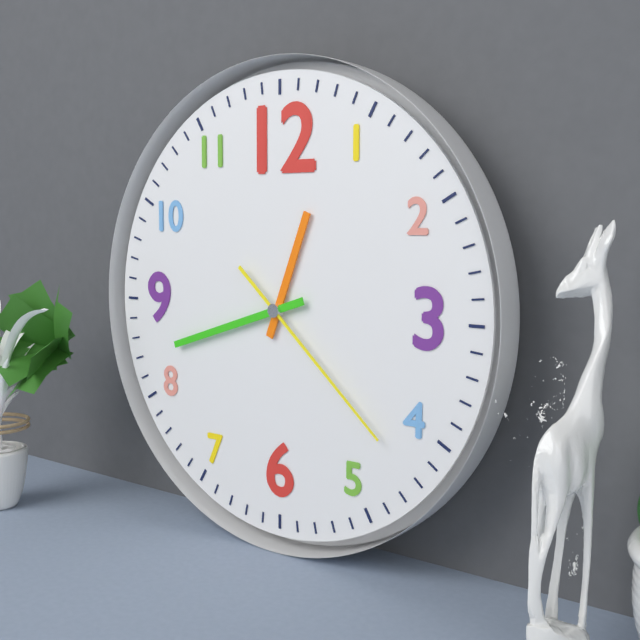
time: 12:42:22
